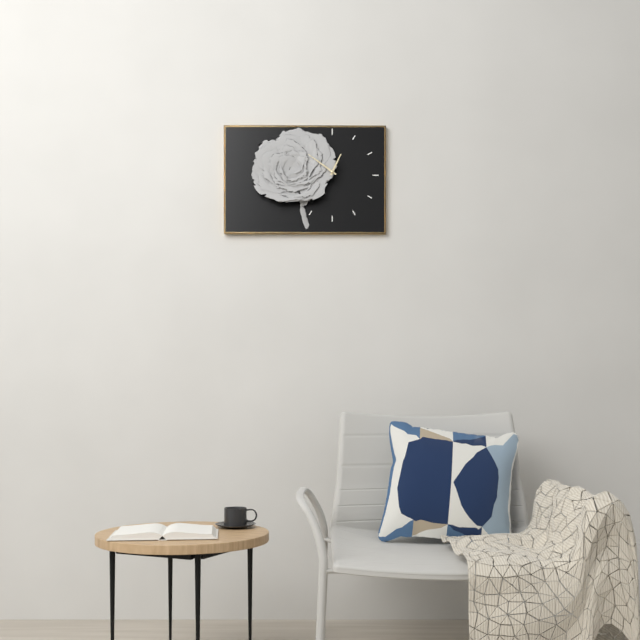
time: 12:51
